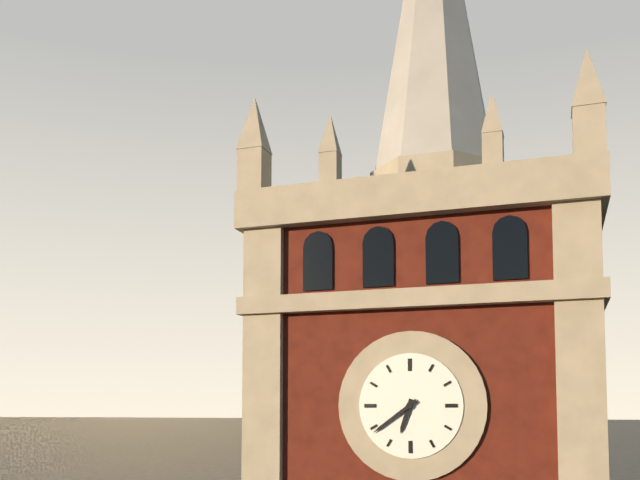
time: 6:39
